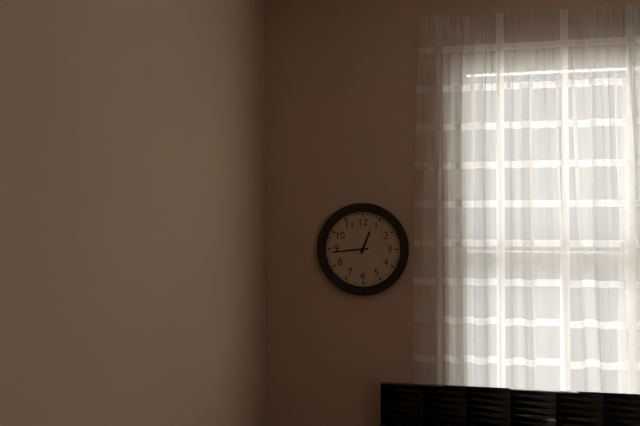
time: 12:44
